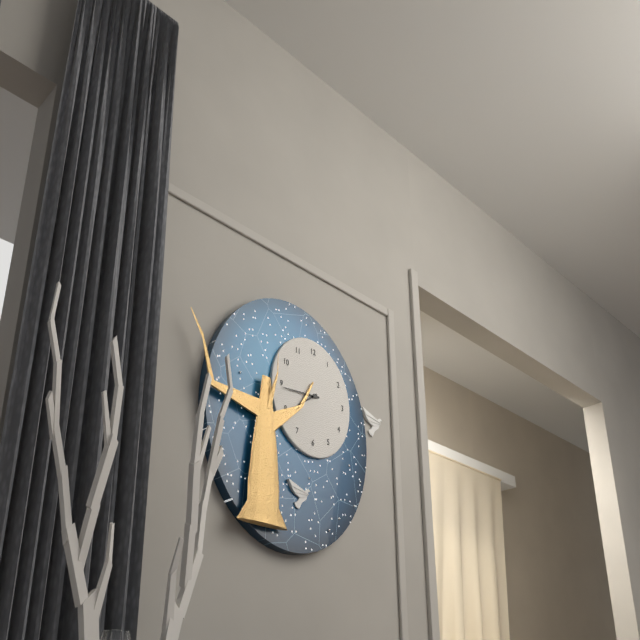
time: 7:44
